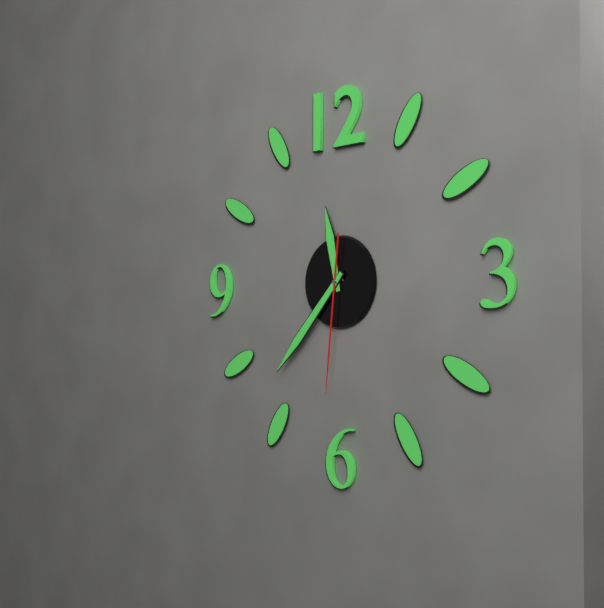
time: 11:37:31
